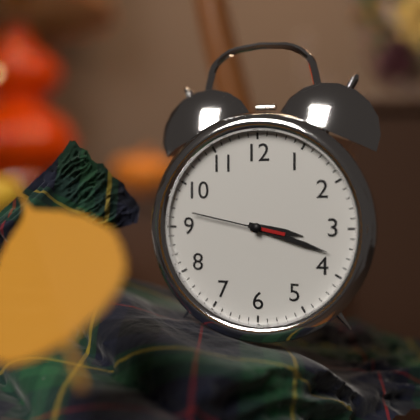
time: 3:18:47
